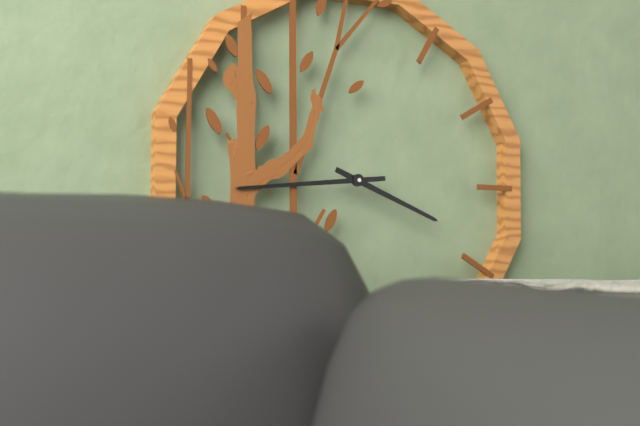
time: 3:44
